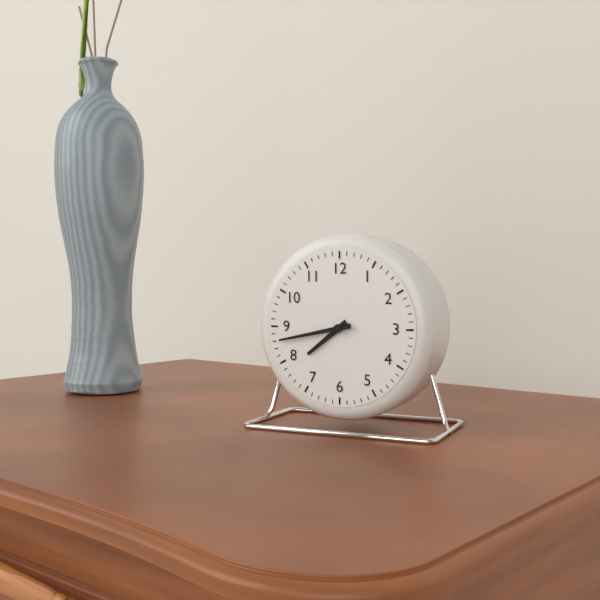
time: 7:43
